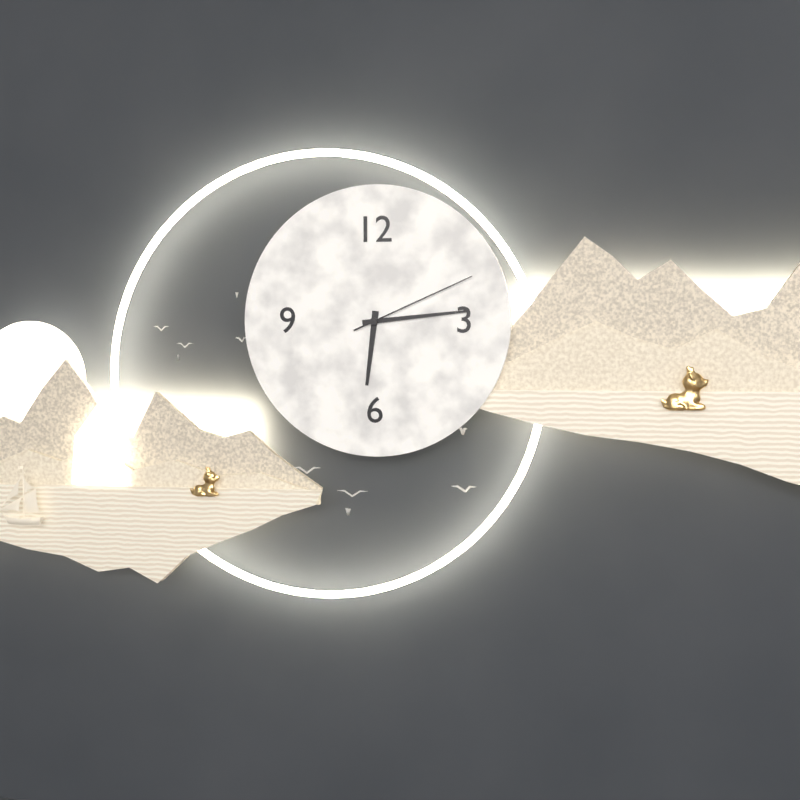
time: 6:14:11
